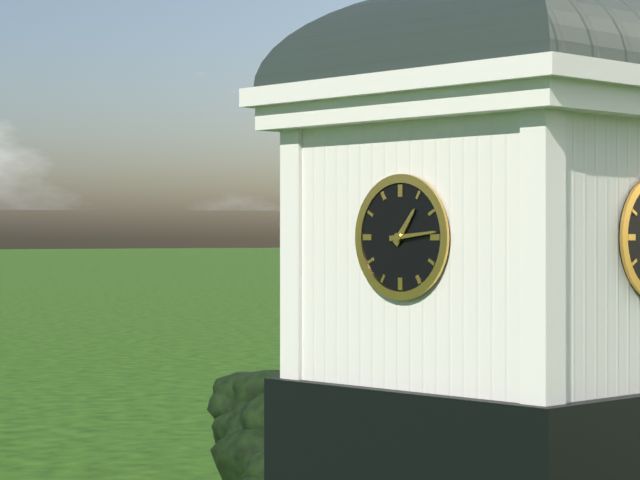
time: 1:14
